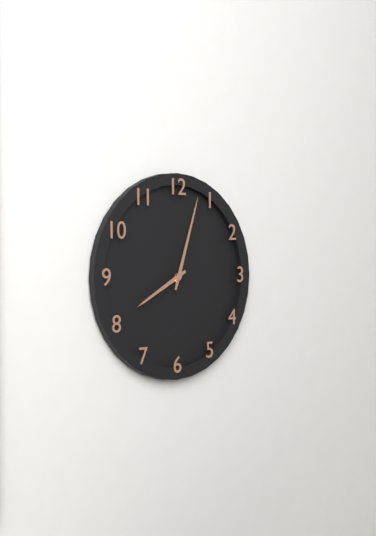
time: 8:03
